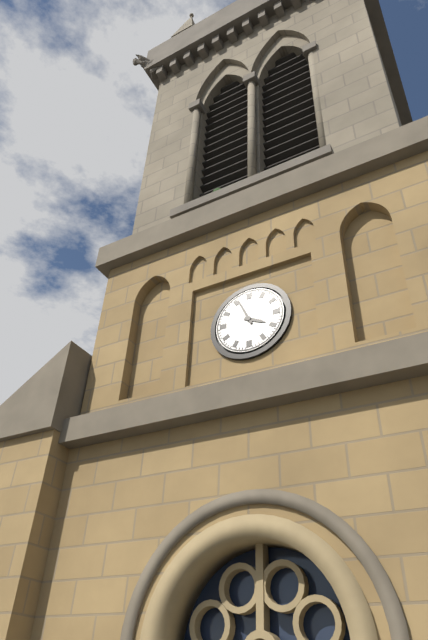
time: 3:56
